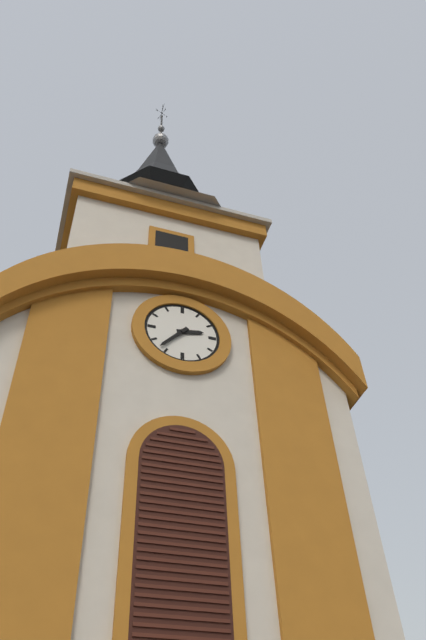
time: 2:37
